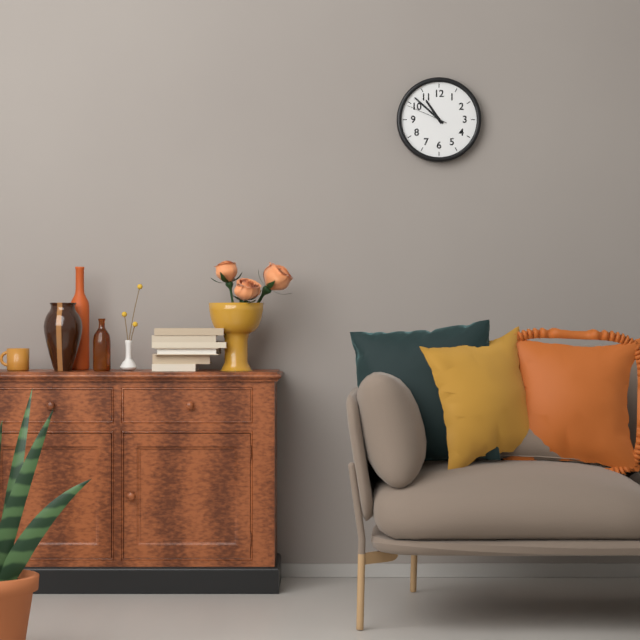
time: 10:52
